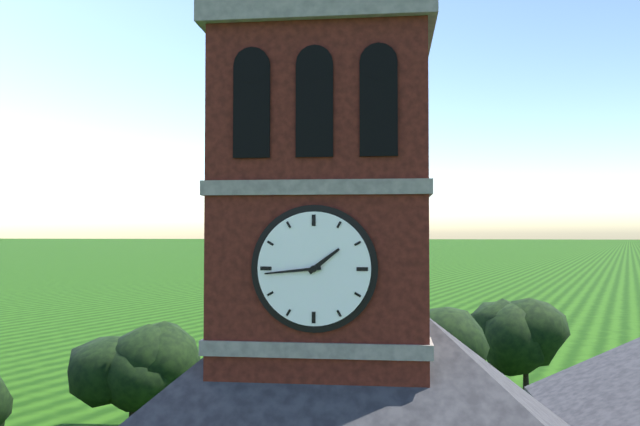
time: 1:44
